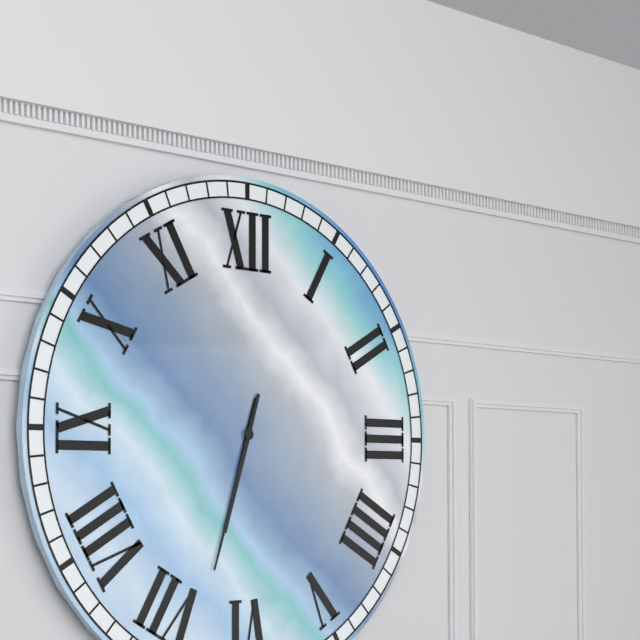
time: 6:33
